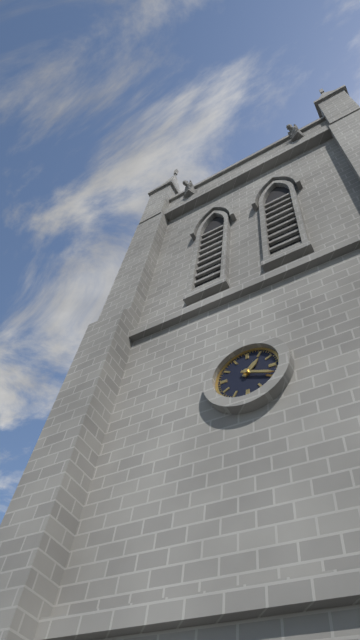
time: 1:19
